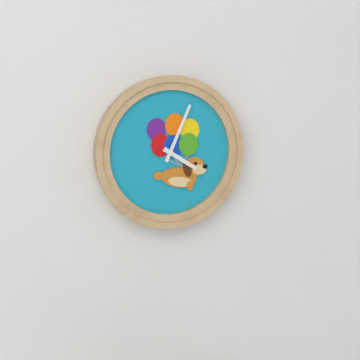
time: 4:04
